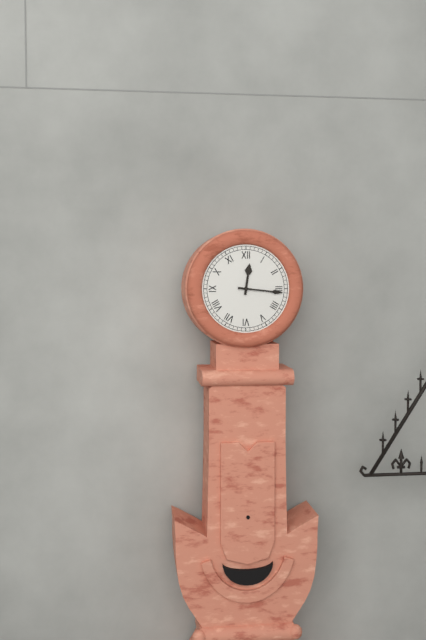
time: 12:16
